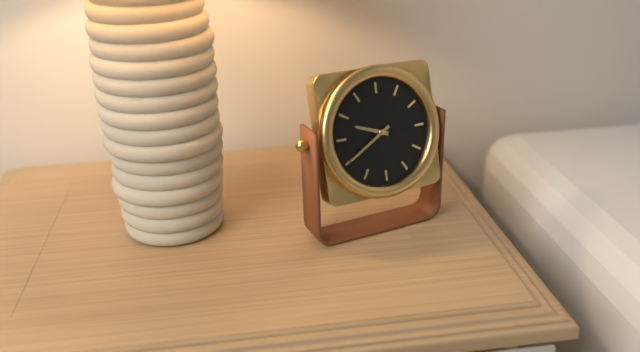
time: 9:40
